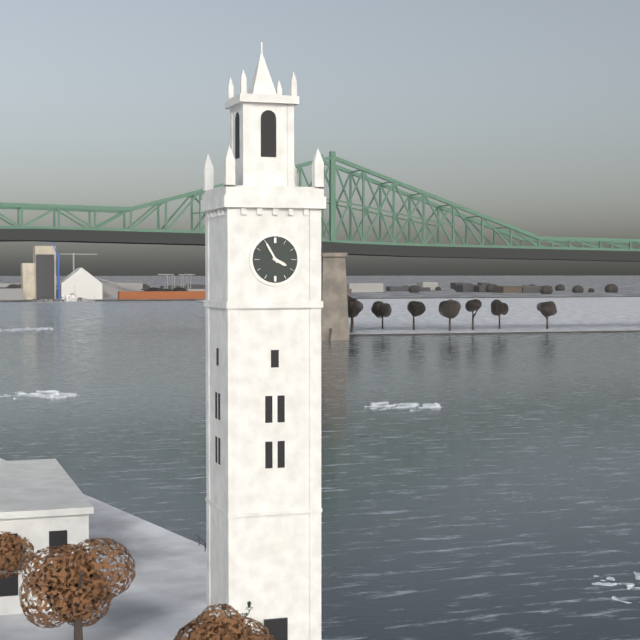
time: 3:55
